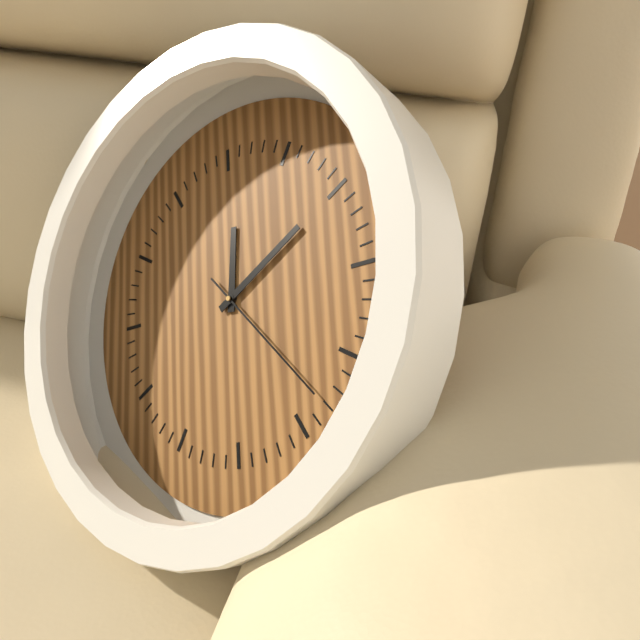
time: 12:10:23
